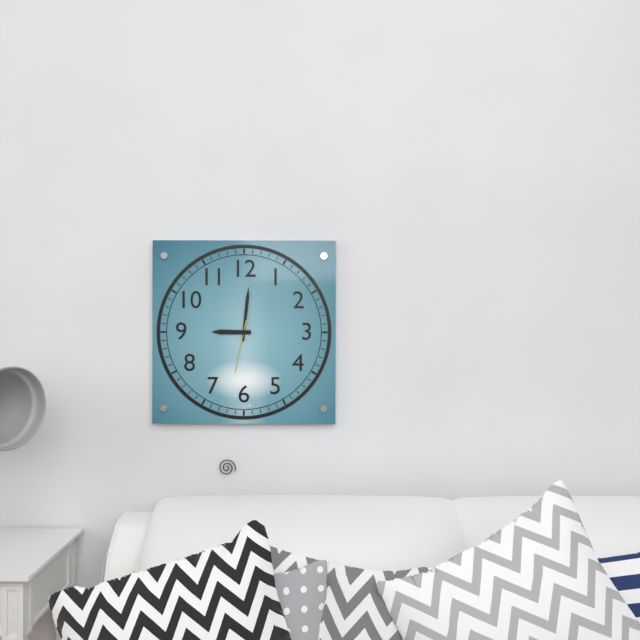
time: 9:01:32
